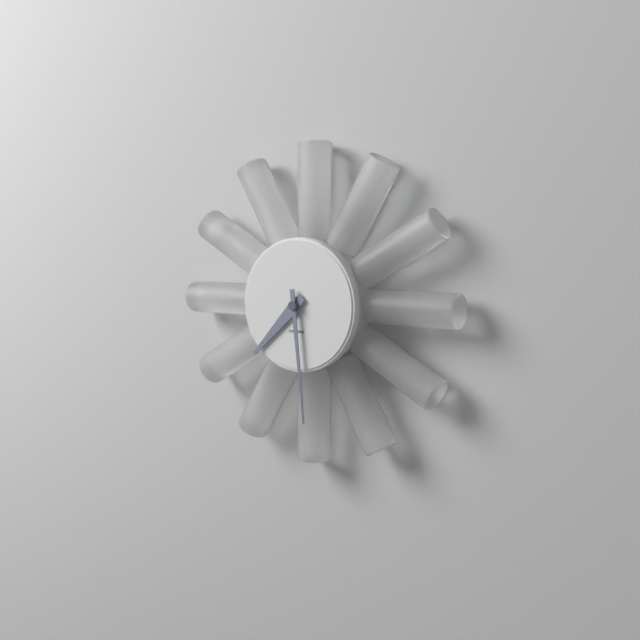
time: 7:29
